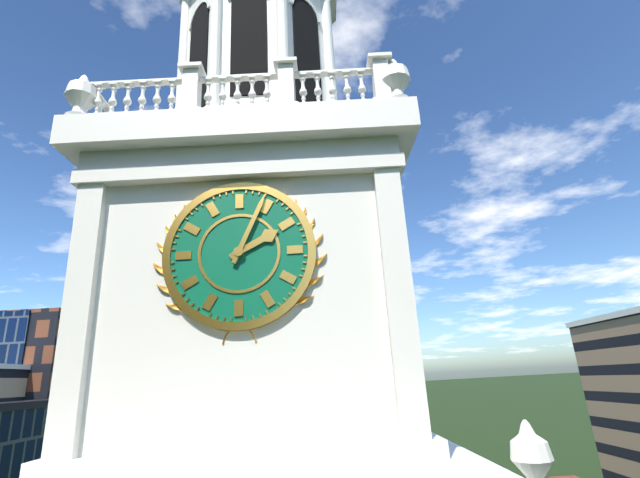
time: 2:04
